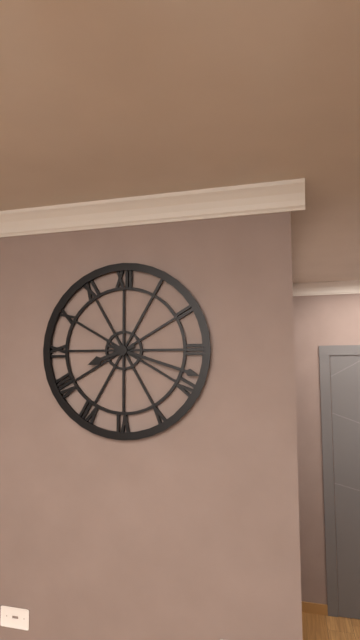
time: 8:18
